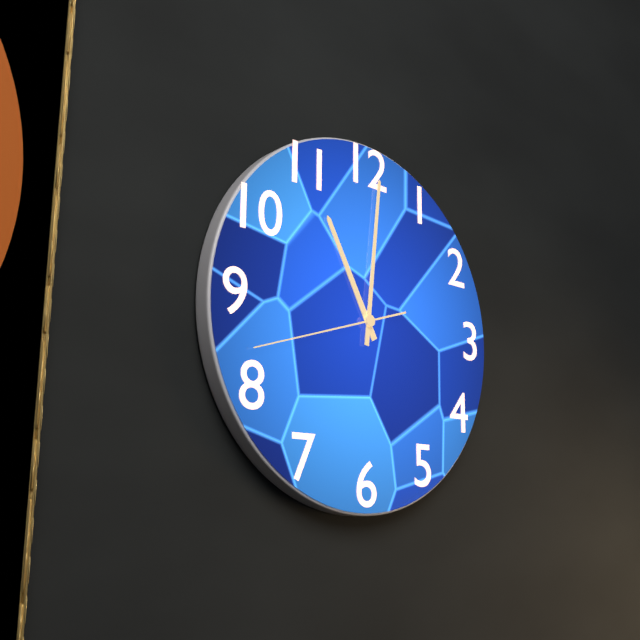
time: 11:01:42
